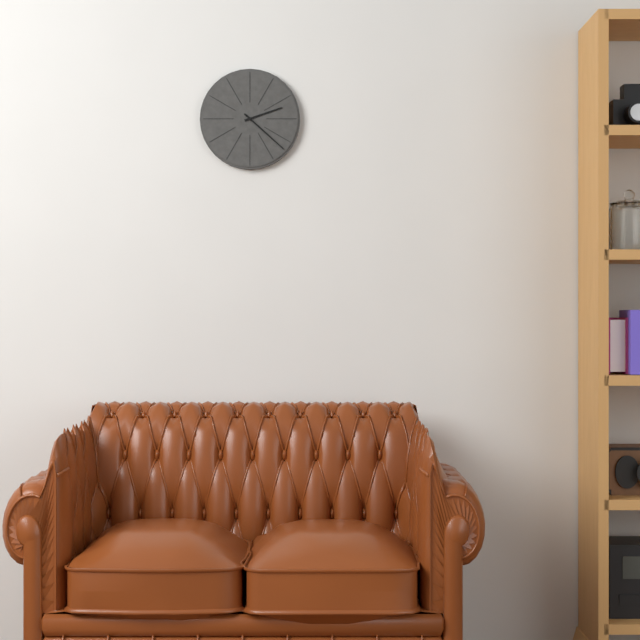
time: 2:22
